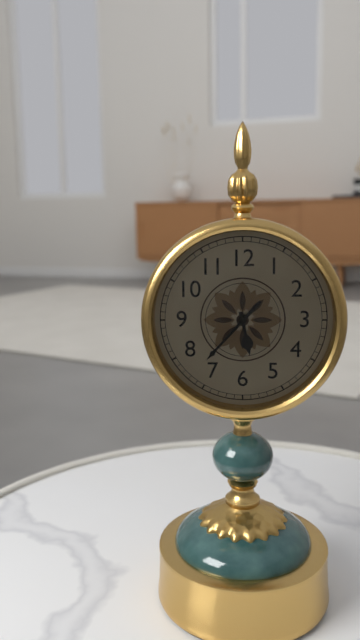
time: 5:37
